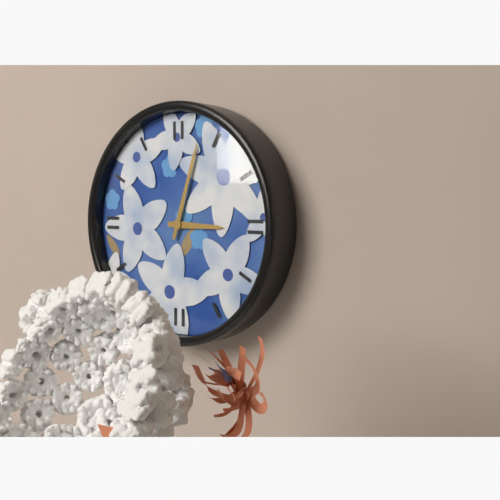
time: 3:03
